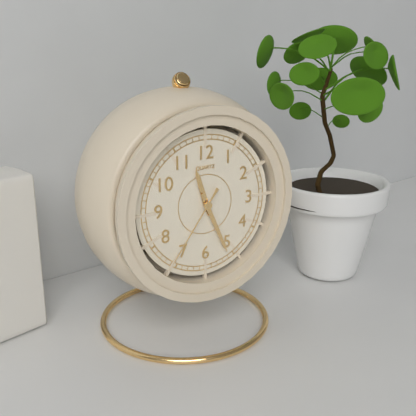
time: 11:26:36
